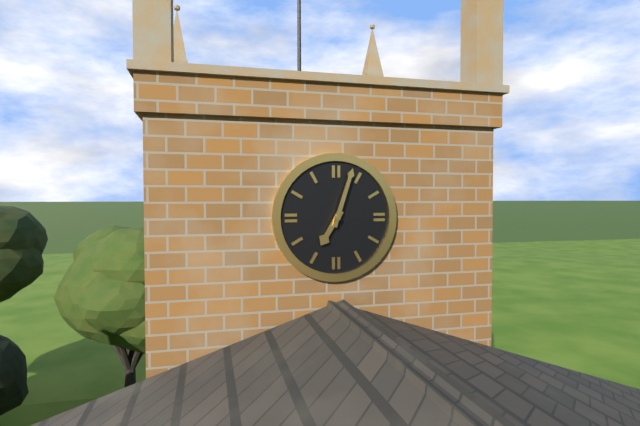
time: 7:03
